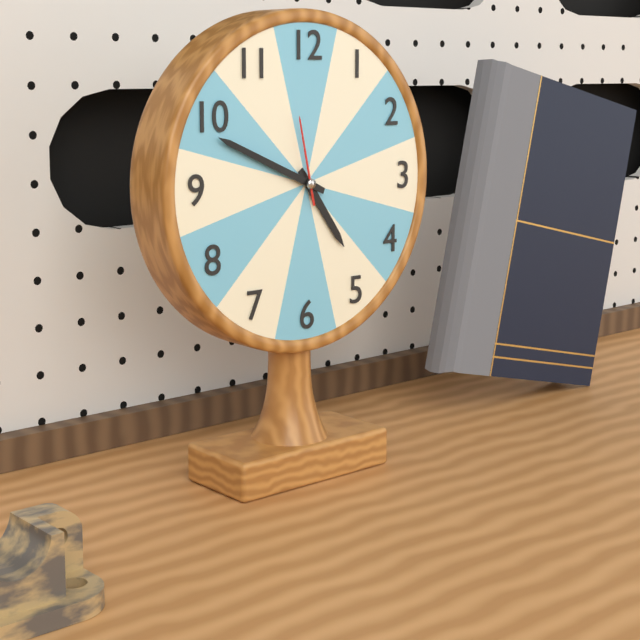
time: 4:49:58
